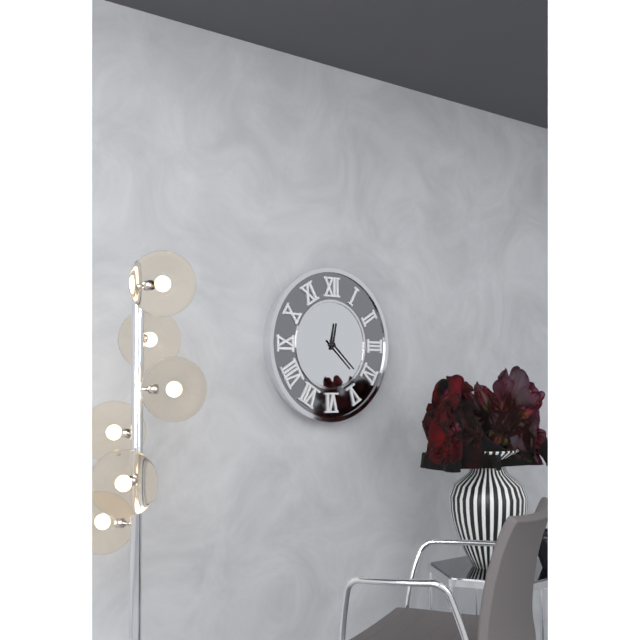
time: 12:22
